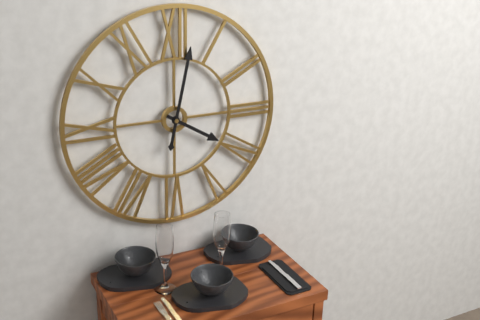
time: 4:02
